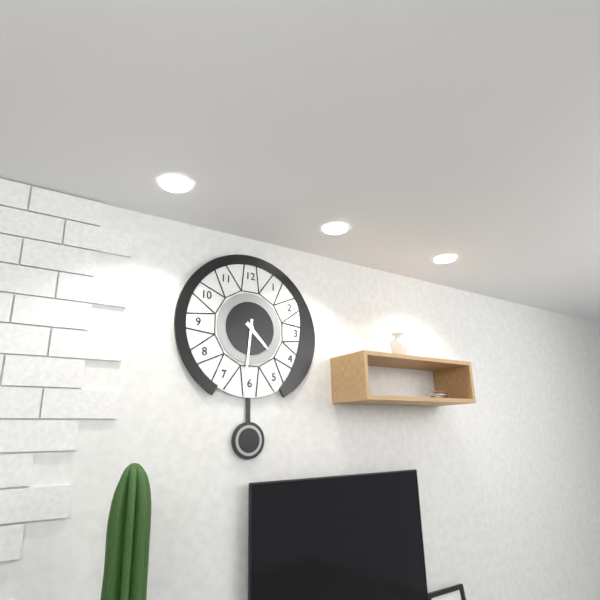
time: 4:31
